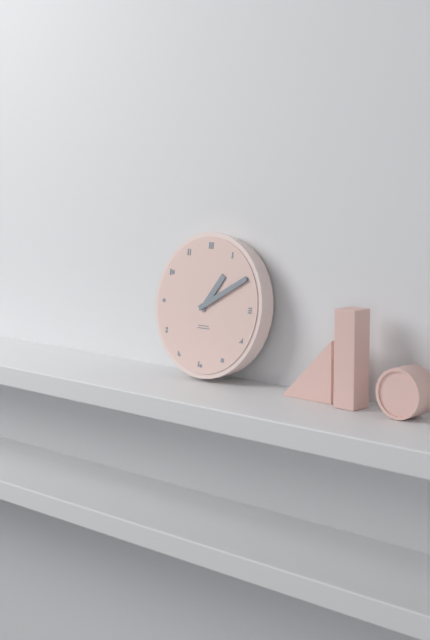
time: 1:10
